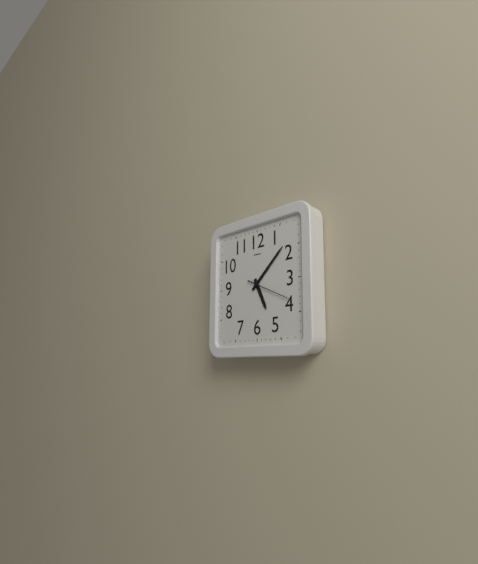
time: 5:08:19
